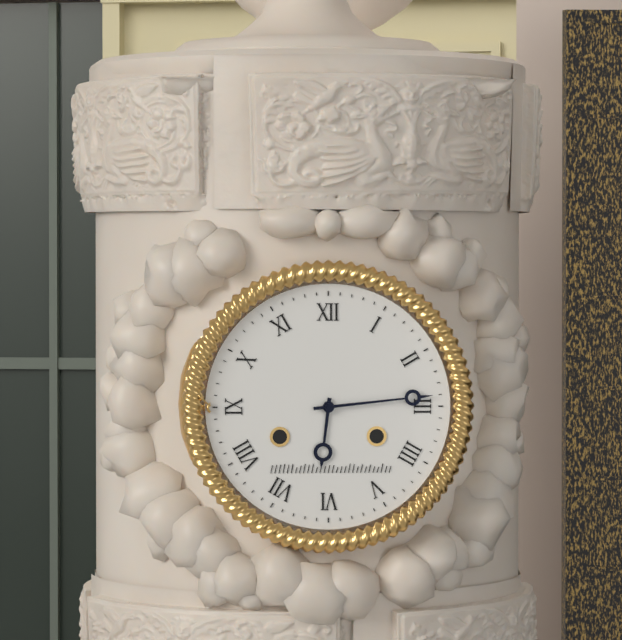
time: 6:14
